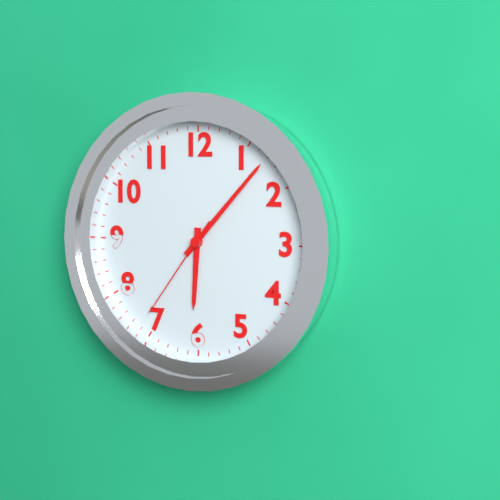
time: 6:07:36
